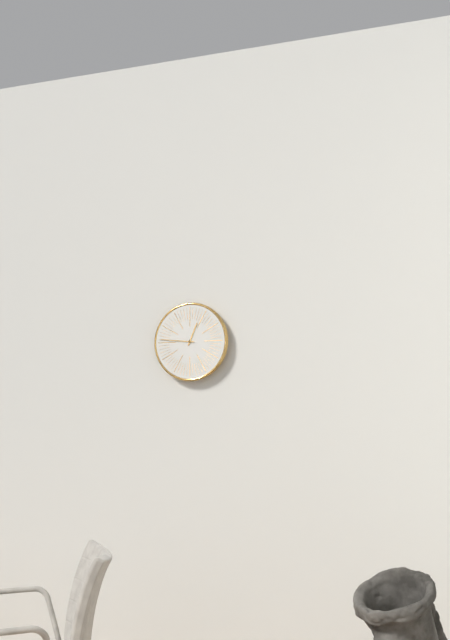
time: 12:46
